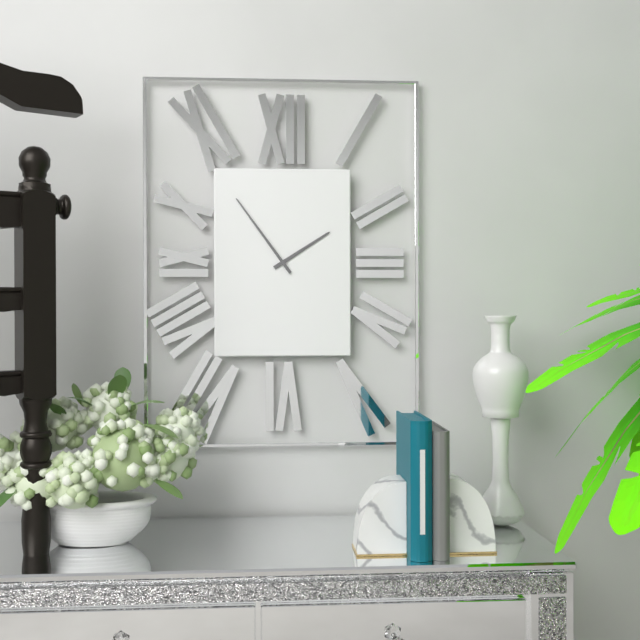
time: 1:54
